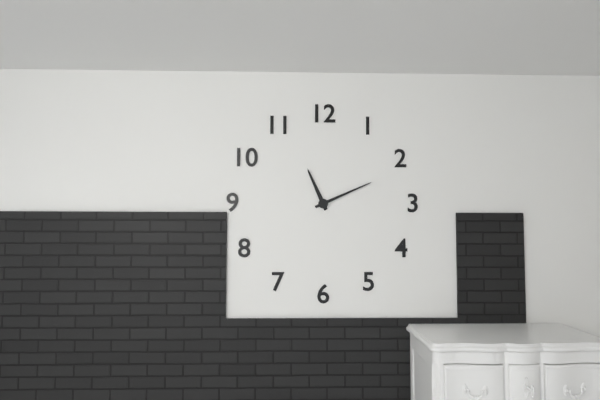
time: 11:11
